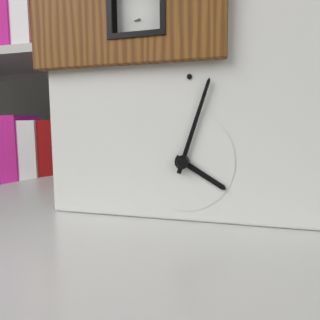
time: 4:03
